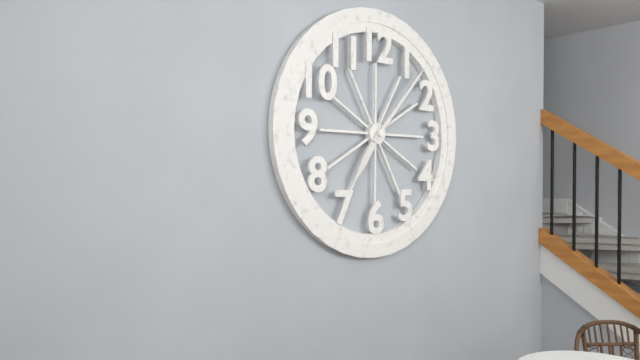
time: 7:07
